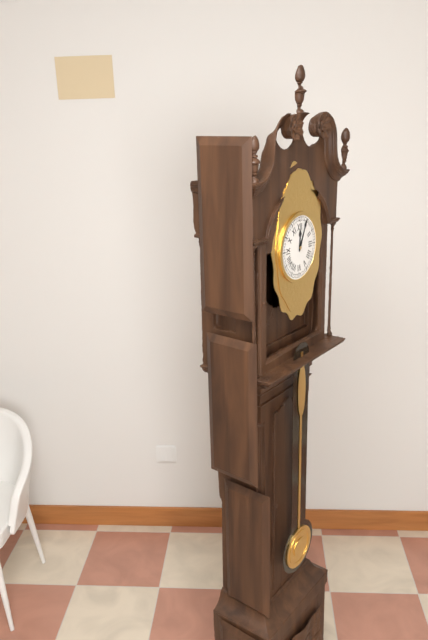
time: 12:04
